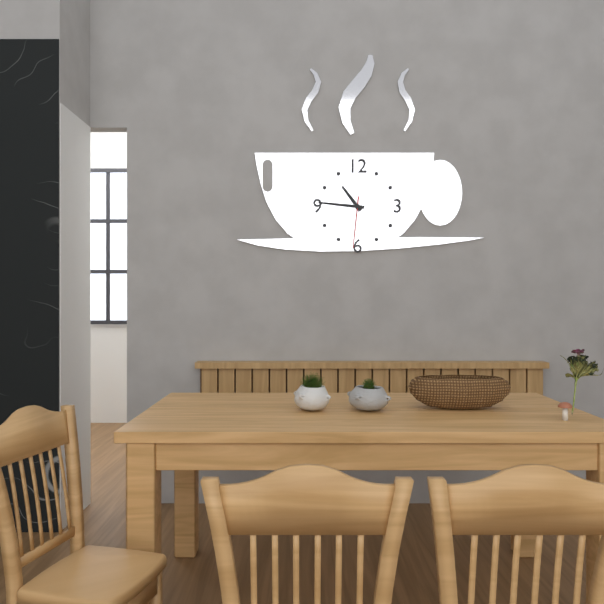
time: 10:46:31
